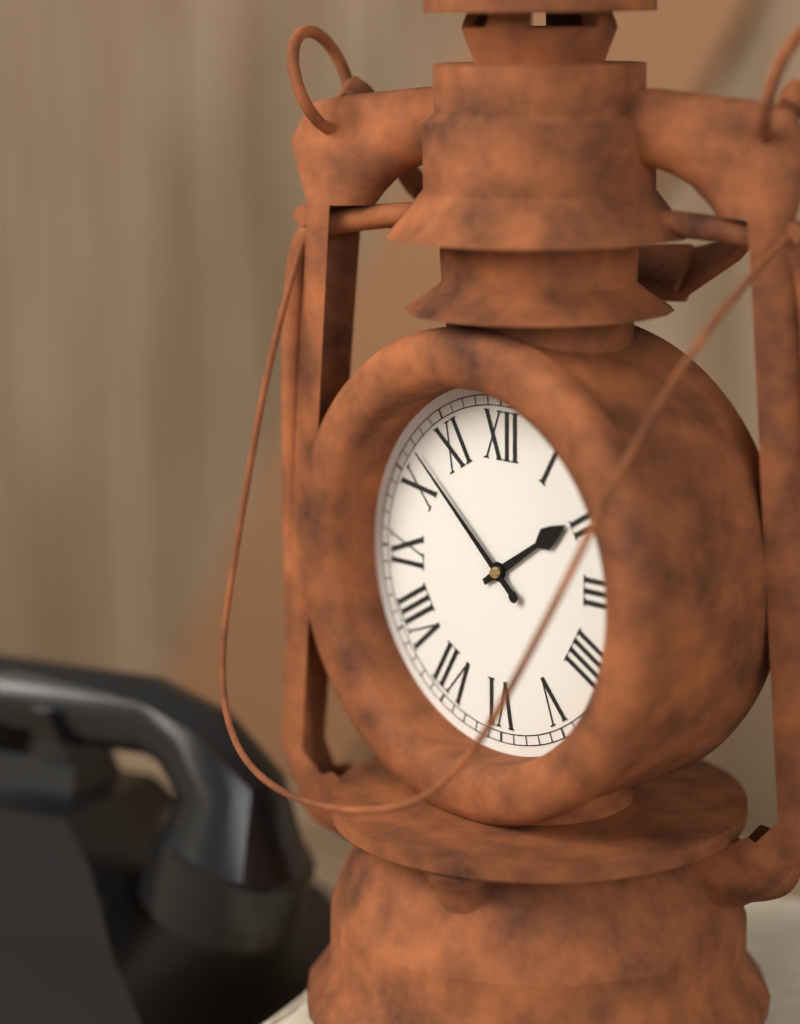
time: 1:52
